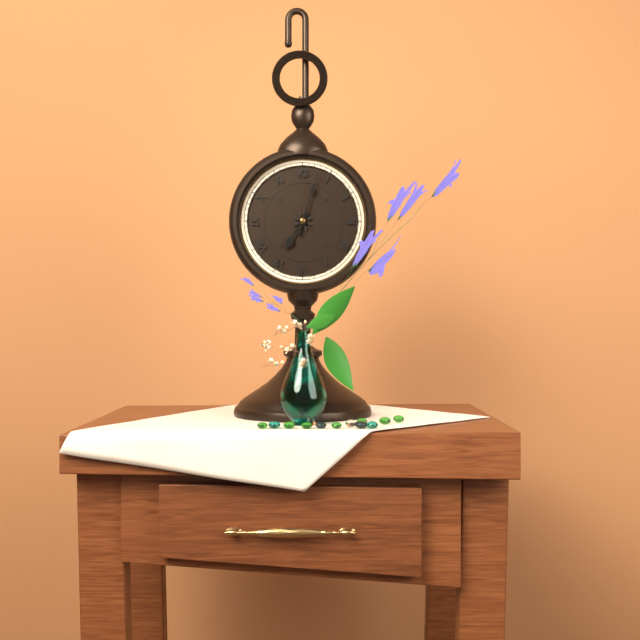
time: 7:03
